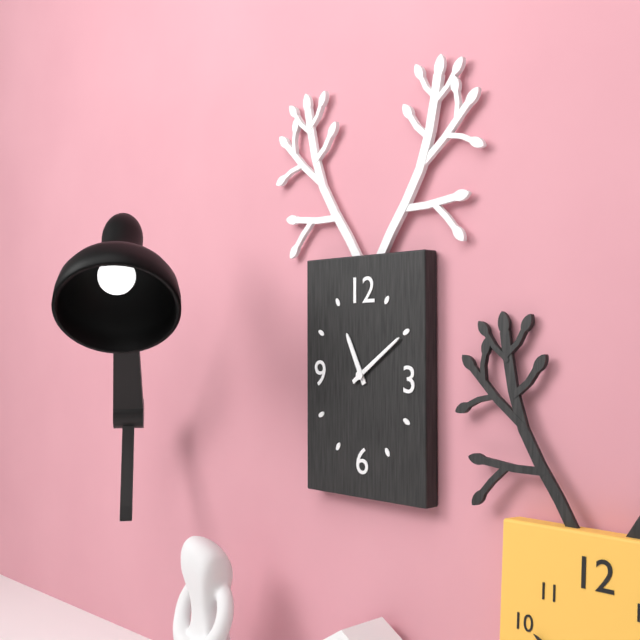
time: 11:09
